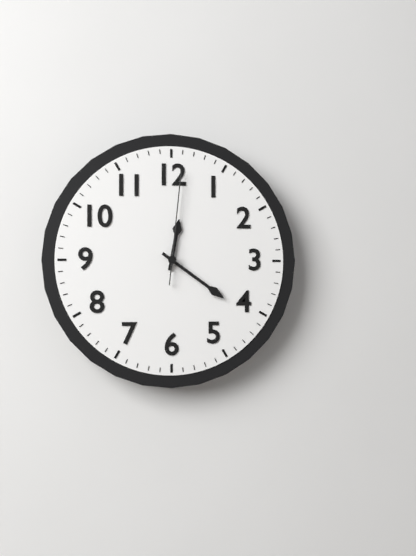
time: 12:21:01
